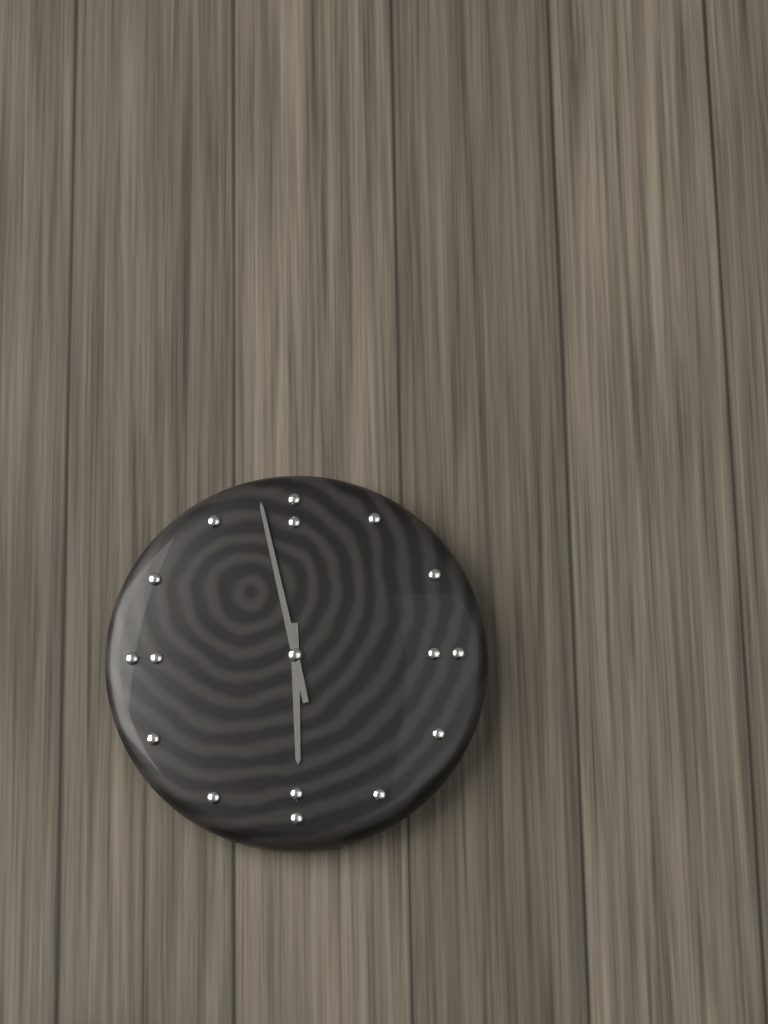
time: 5:58
